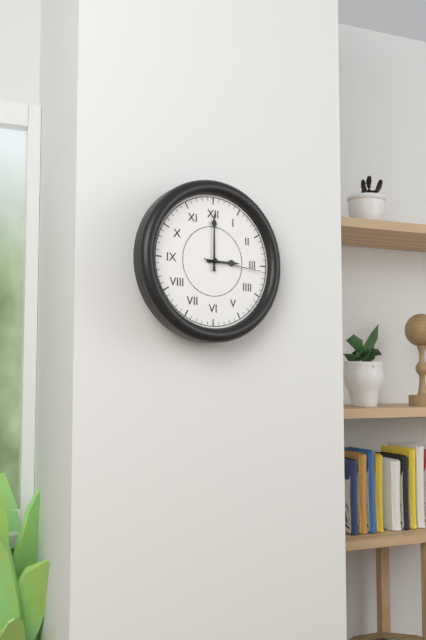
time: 3:00:16
